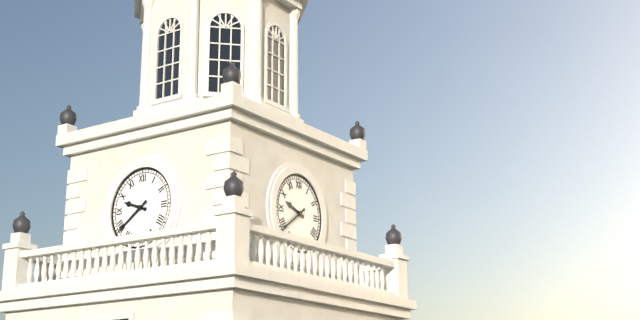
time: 9:39
